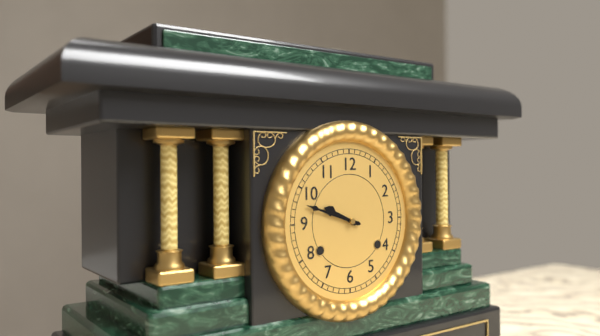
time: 9:48
